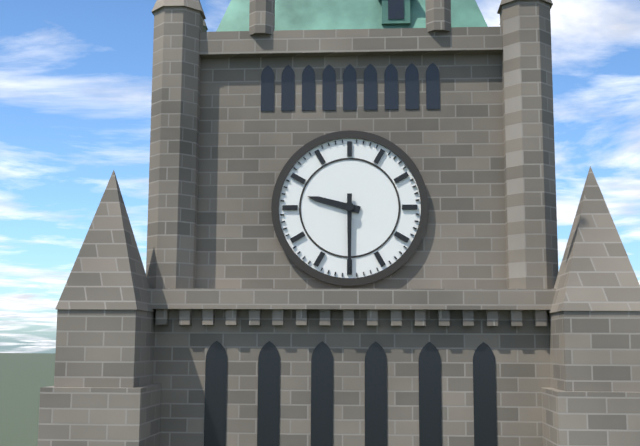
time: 9:30
